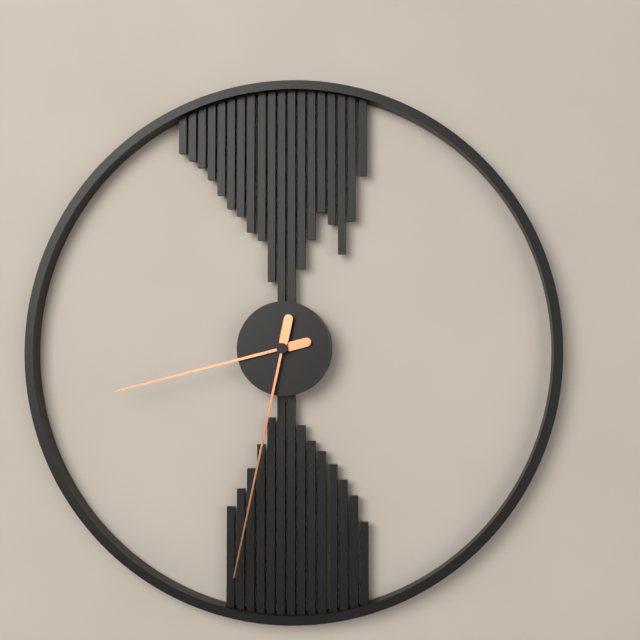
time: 8:32
